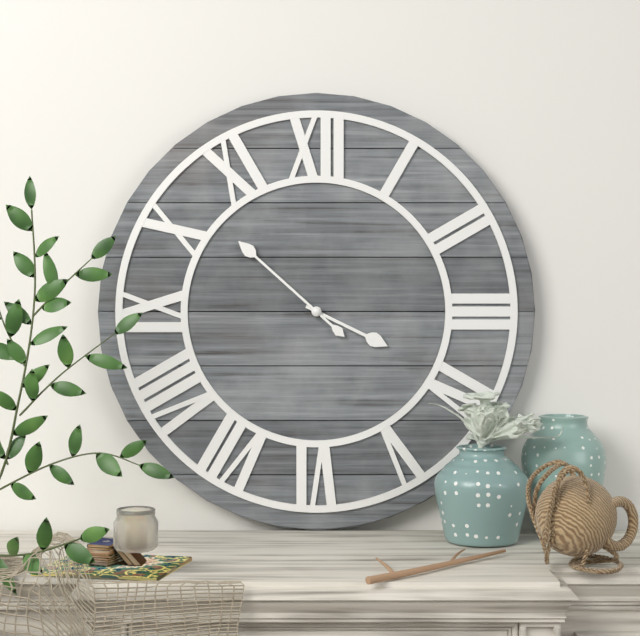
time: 3:52
